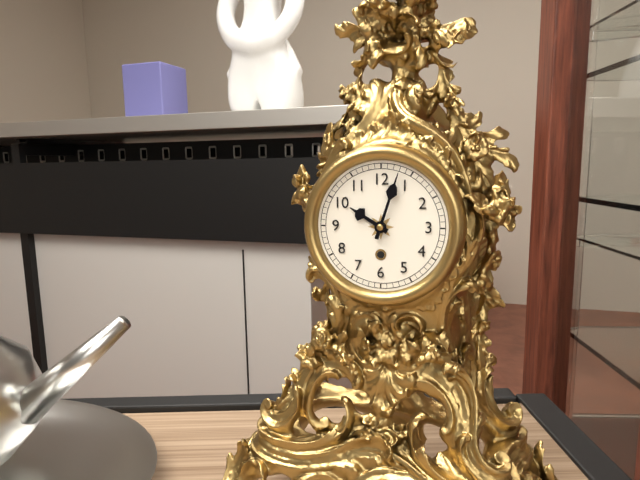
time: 10:03
